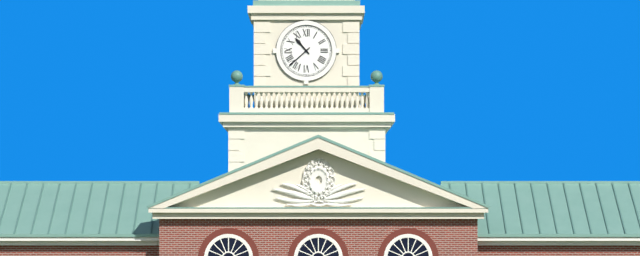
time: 10:38
